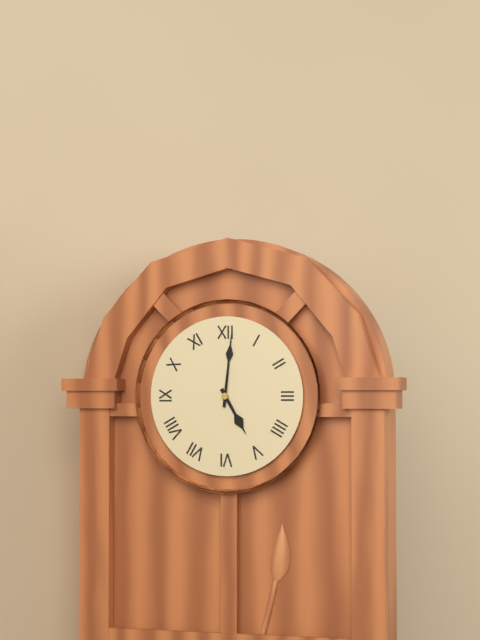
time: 5:01
